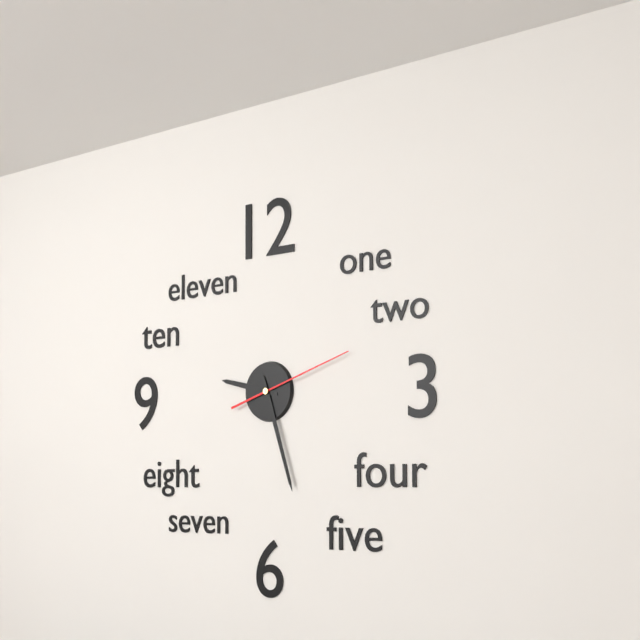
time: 9:27:12
